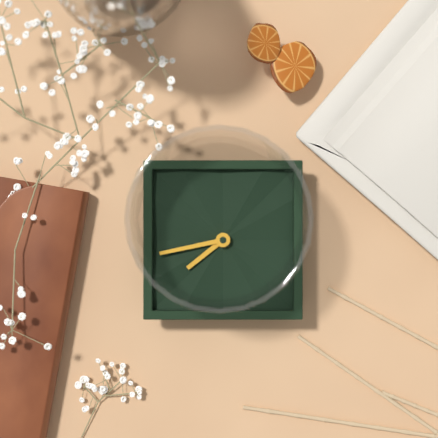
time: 7:43
